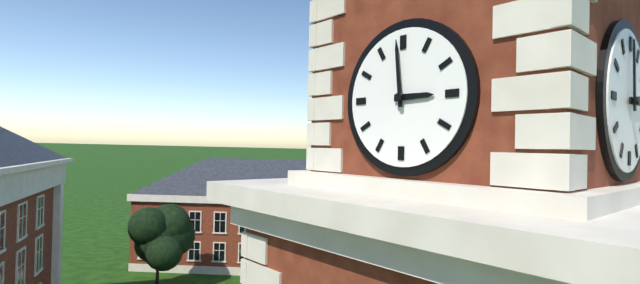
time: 2:59
